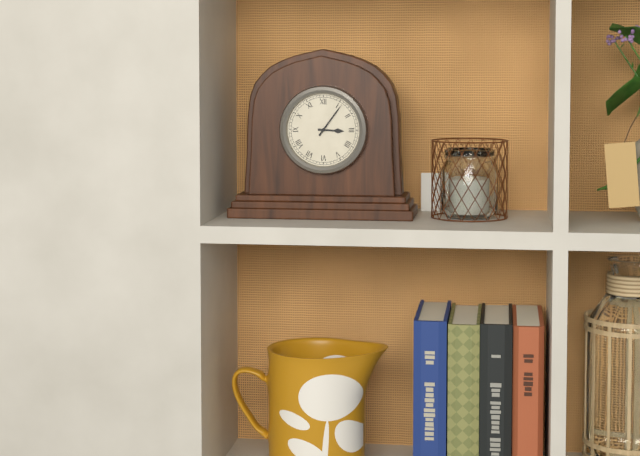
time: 3:06
